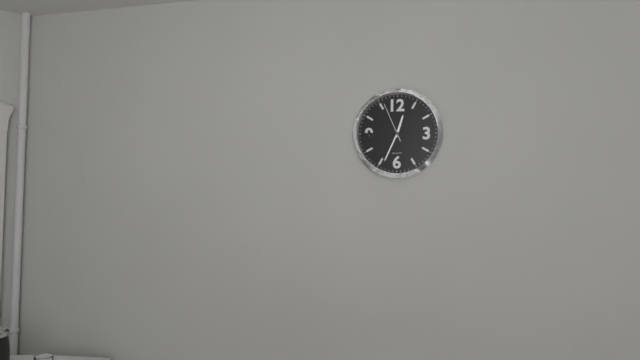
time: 12:34
